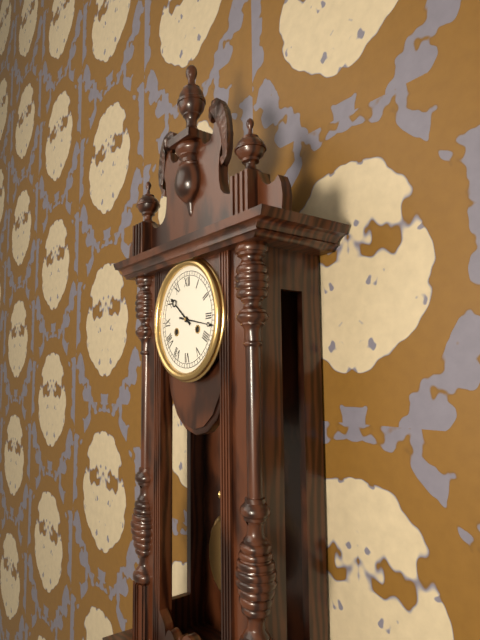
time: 10:17
